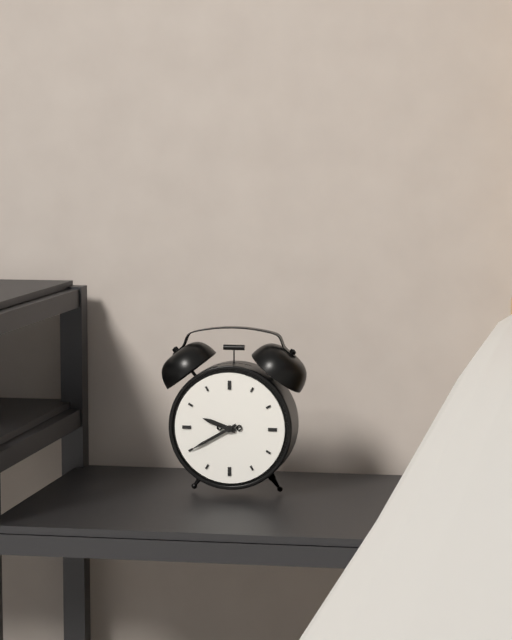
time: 9:40
